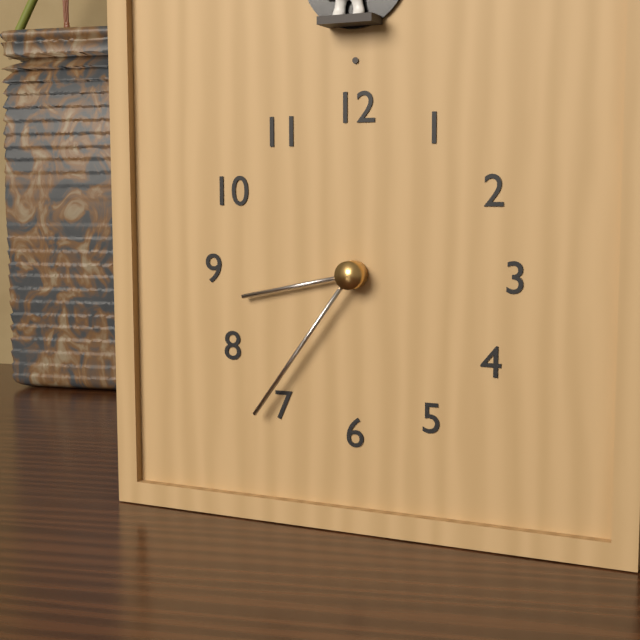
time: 8:36
